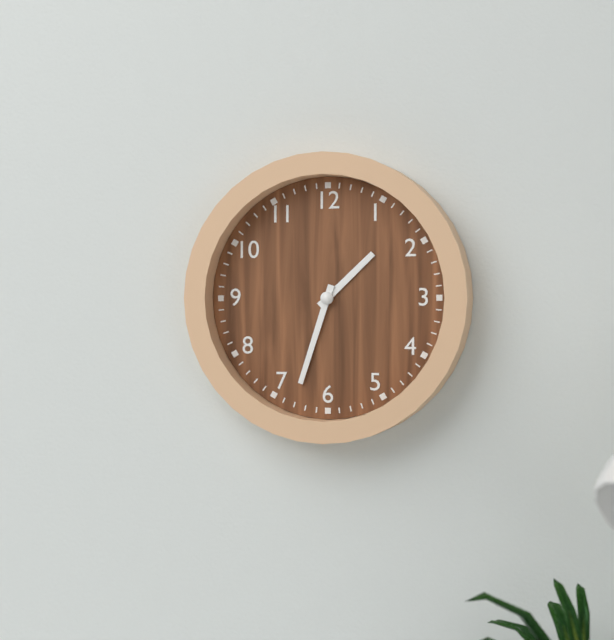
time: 1:33
